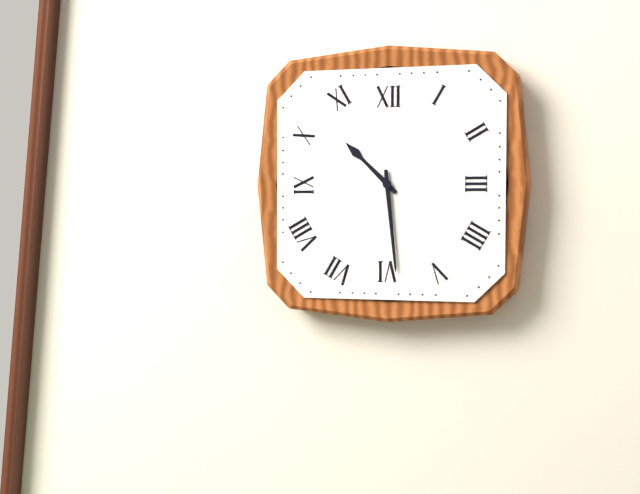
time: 10:29
